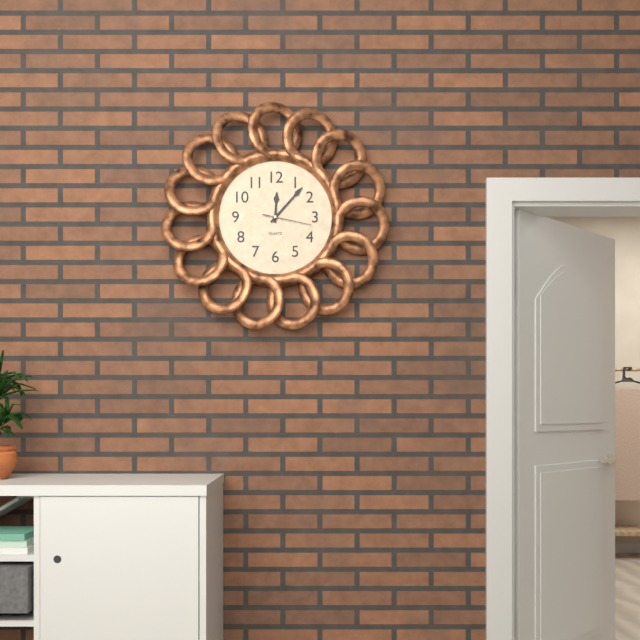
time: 12:07
